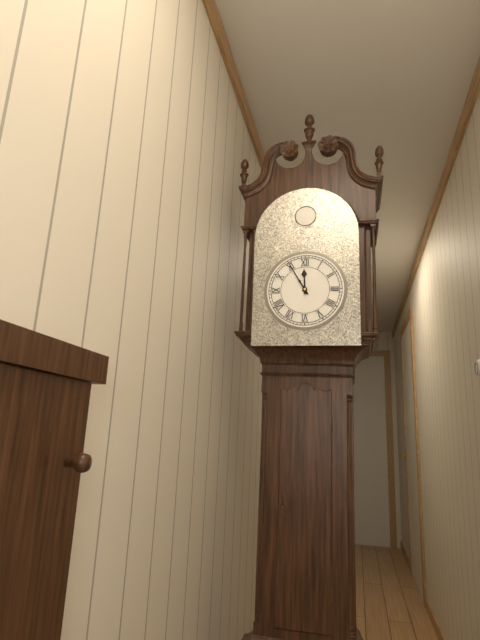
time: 11:55
